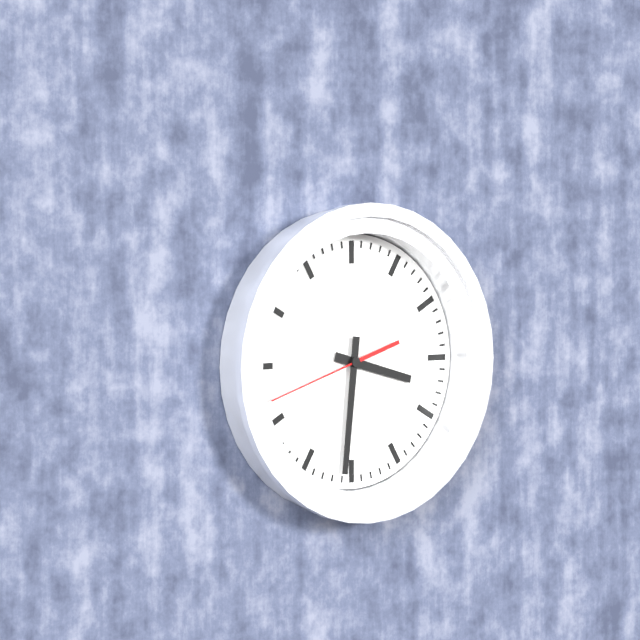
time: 3:31:42
